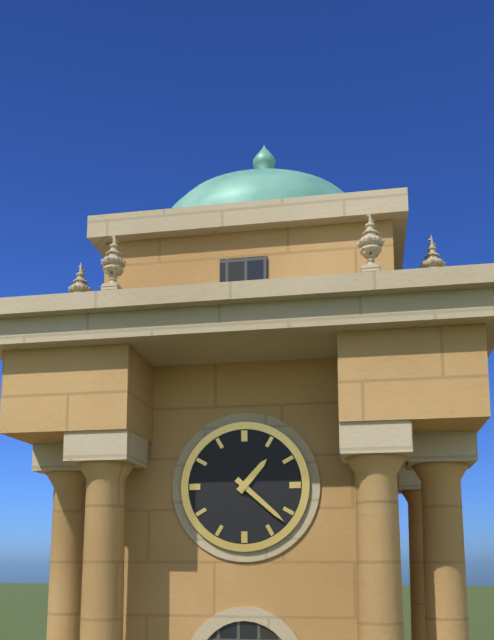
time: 1:22
